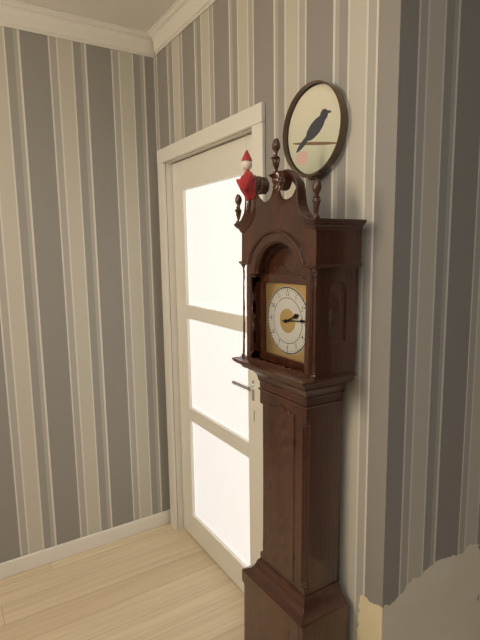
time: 2:14
